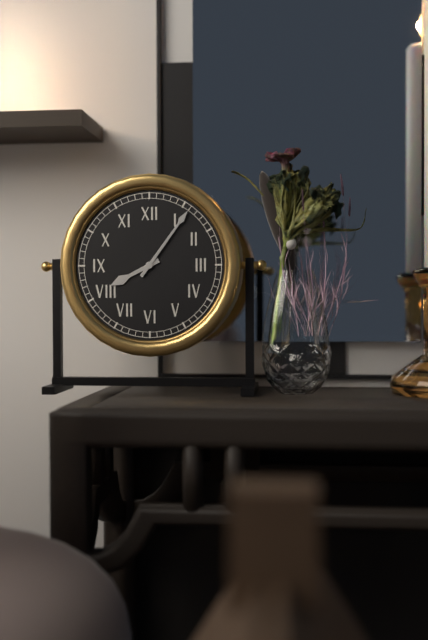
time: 8:06
